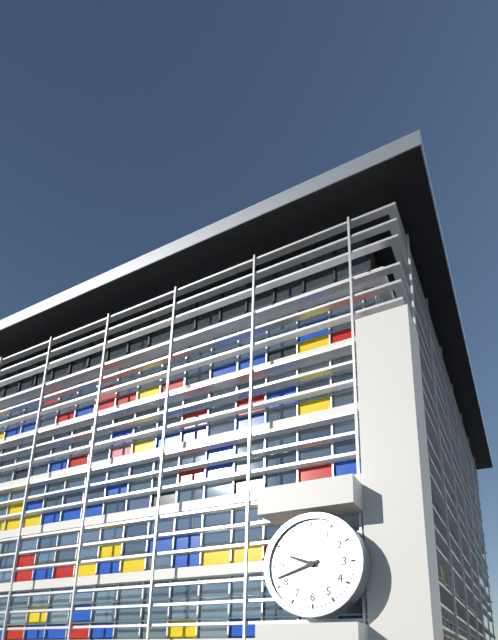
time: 9:42
